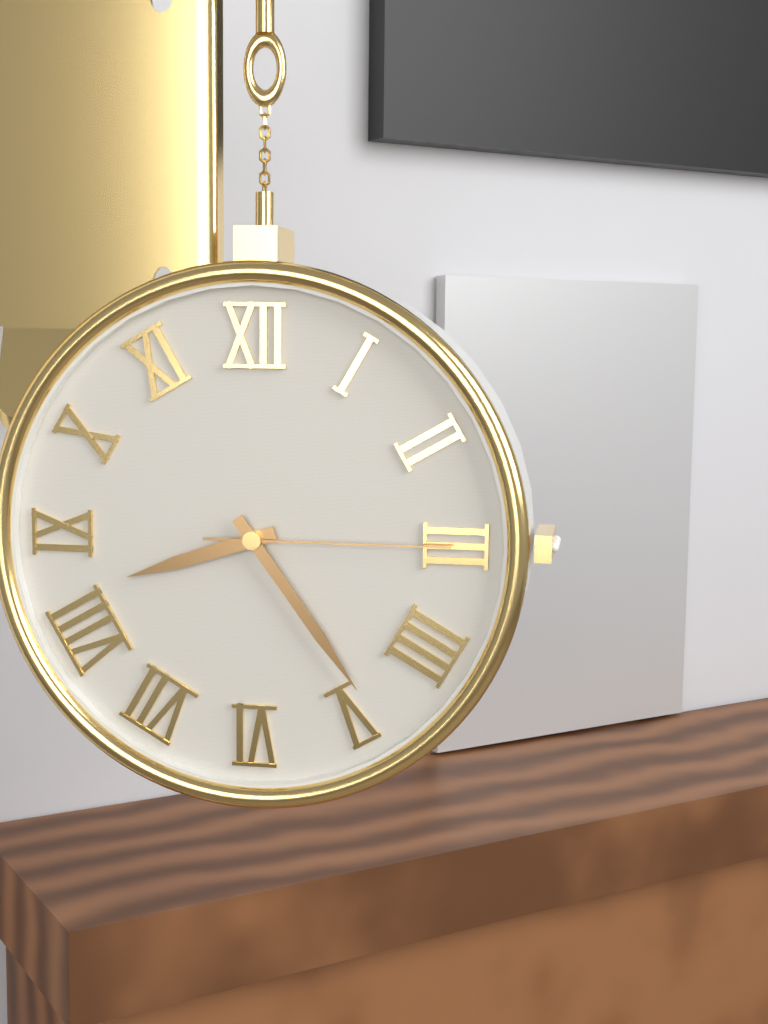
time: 8:24:15
